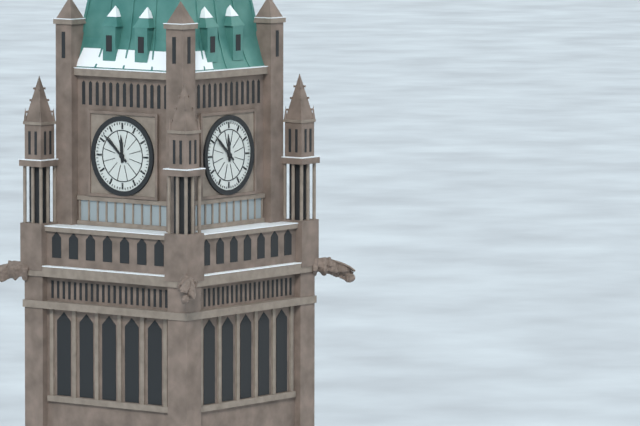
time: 11:52
